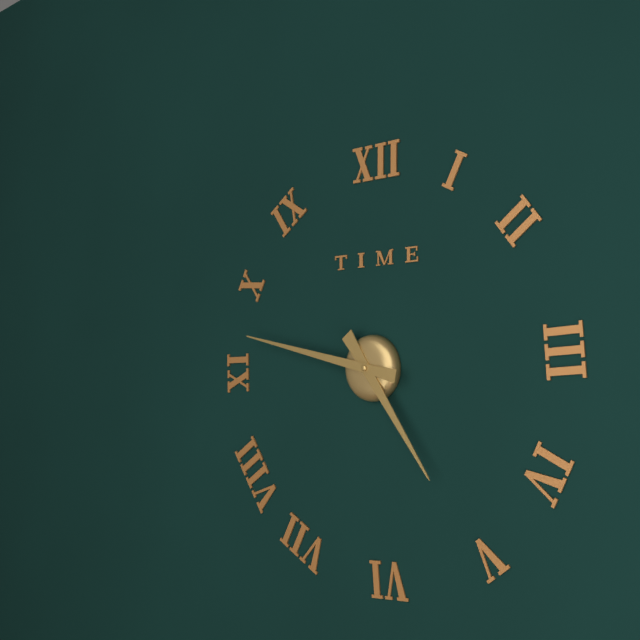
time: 4:47
